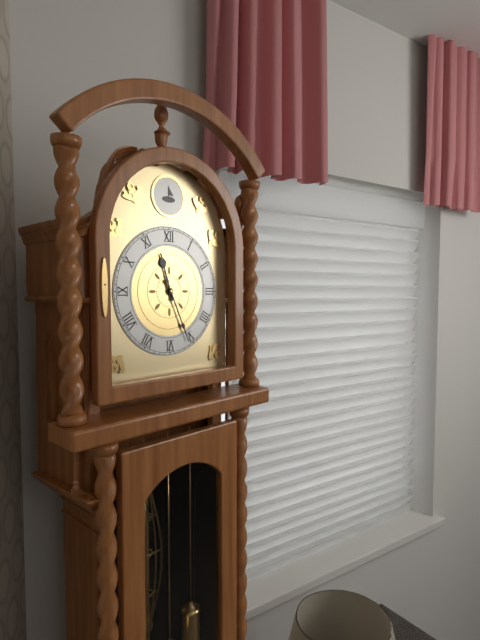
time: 11:26
